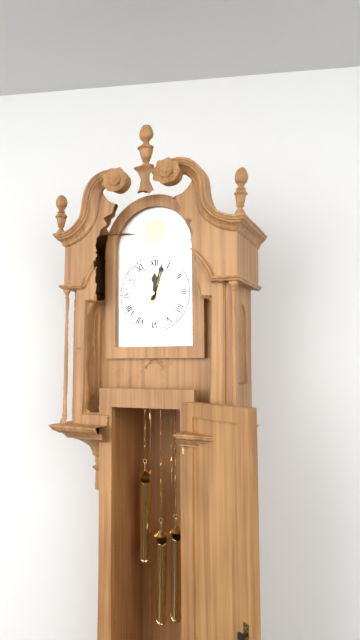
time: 12:03
